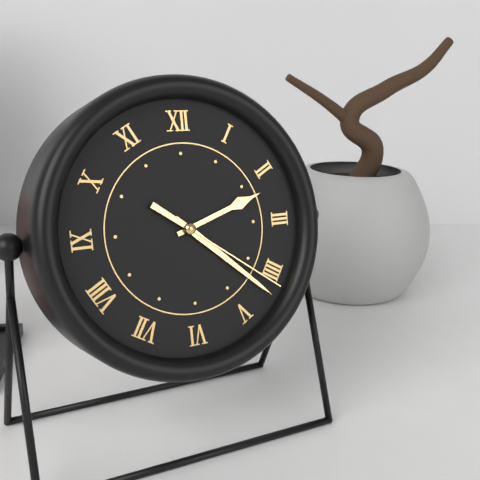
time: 2:22:21
